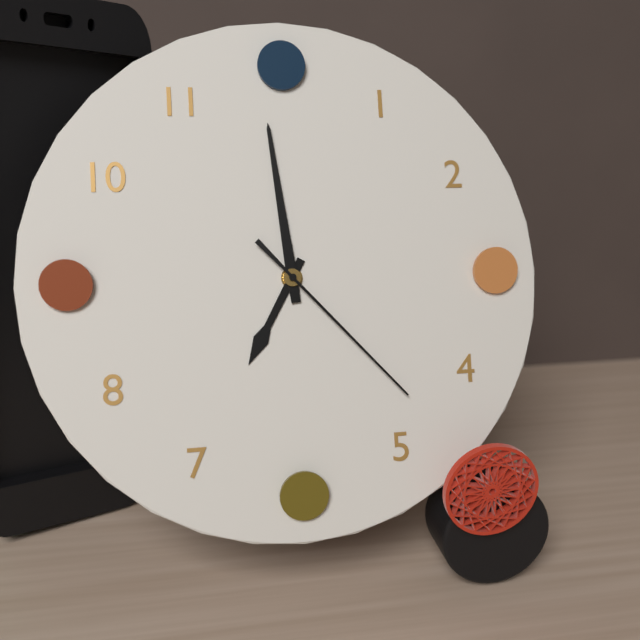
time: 6:59:23
